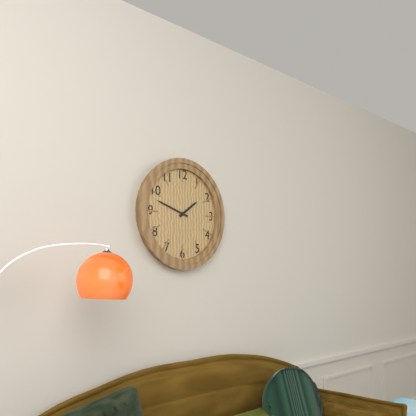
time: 1:48
